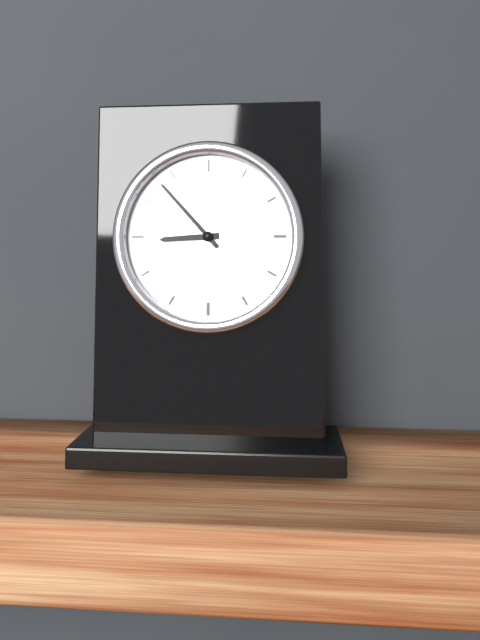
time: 8:53
